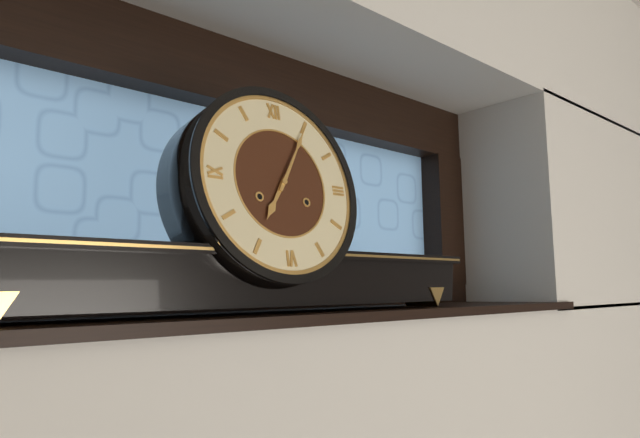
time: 7:05
